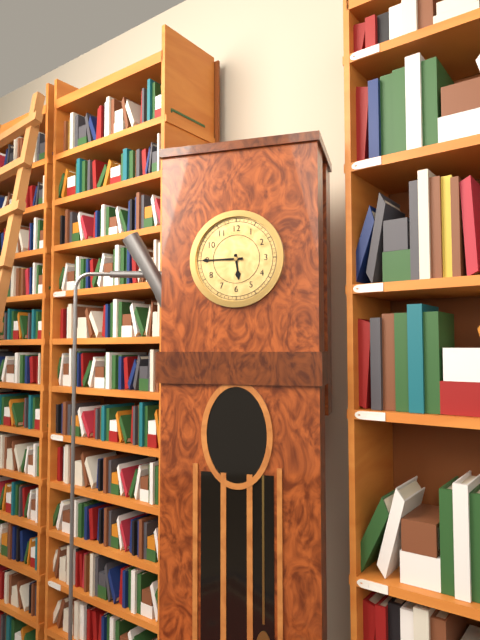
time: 5:45
